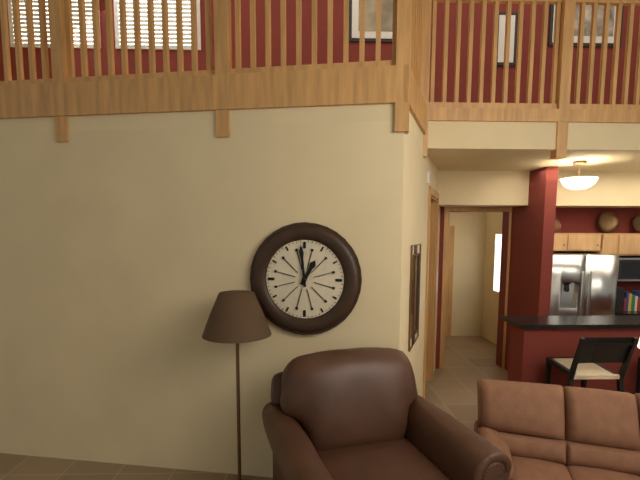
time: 12:59
